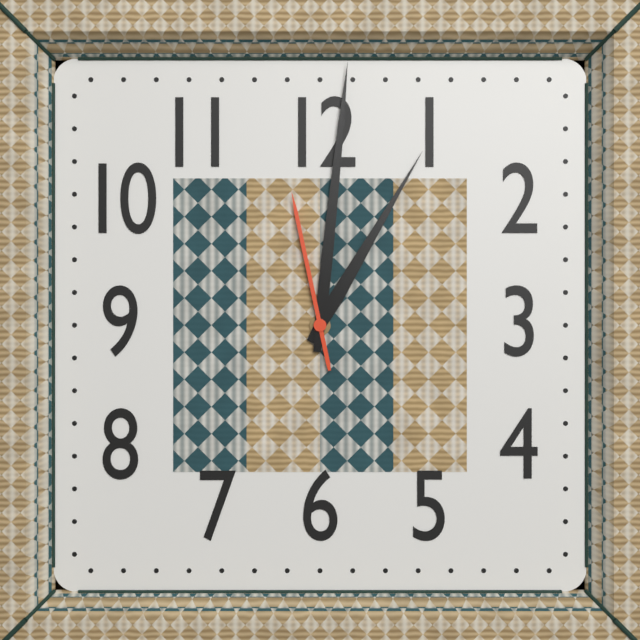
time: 1:01:58
